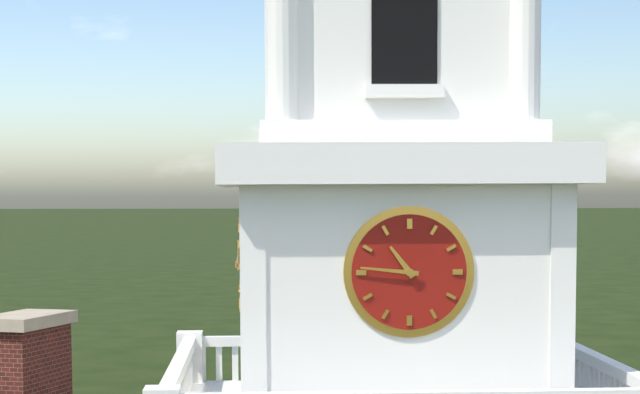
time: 10:46
